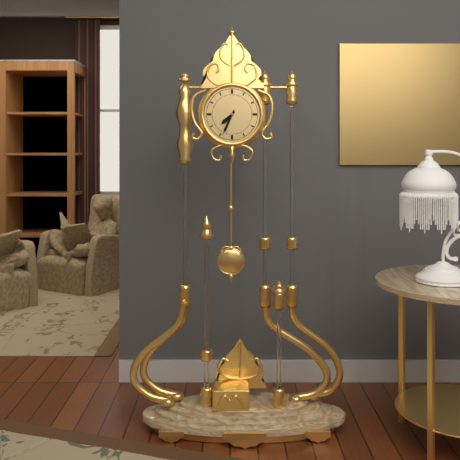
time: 7:34
